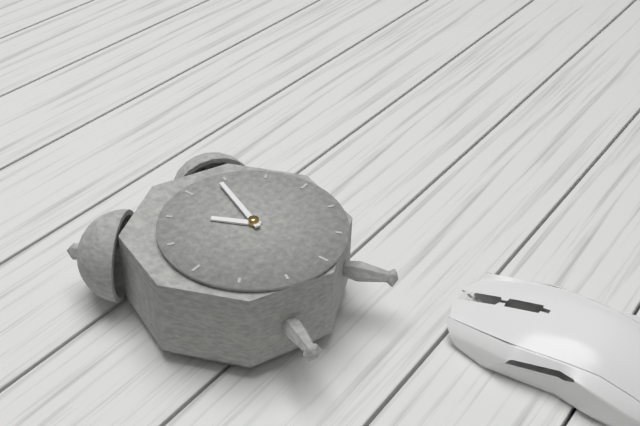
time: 11:04
